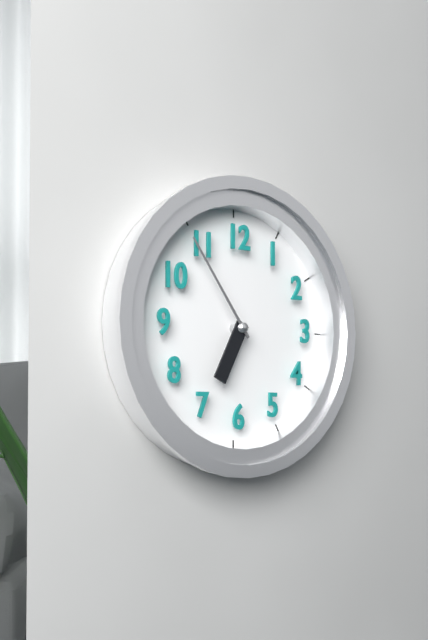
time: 6:54
